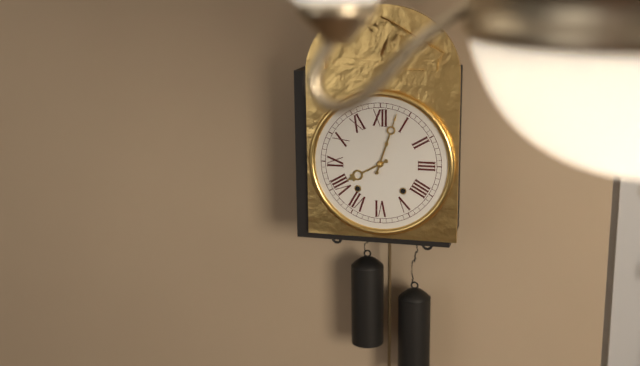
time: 8:03
